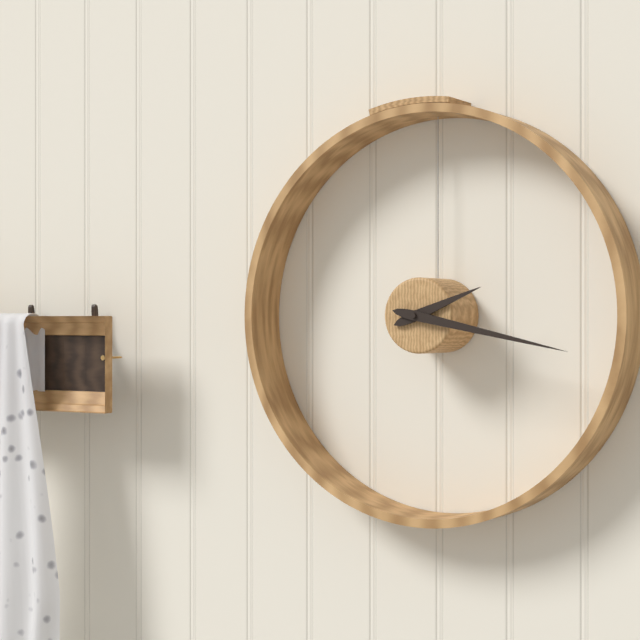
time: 2:17
